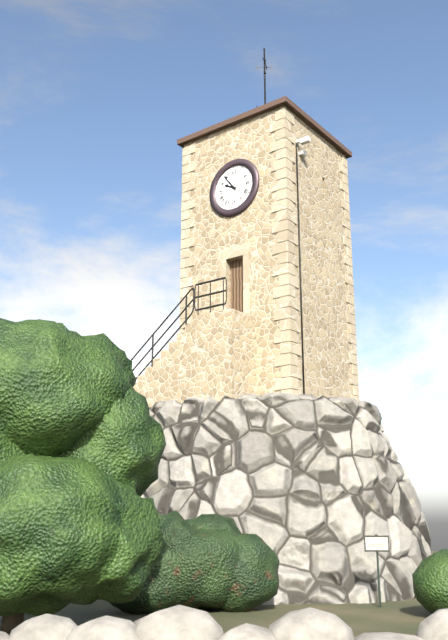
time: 9:54
